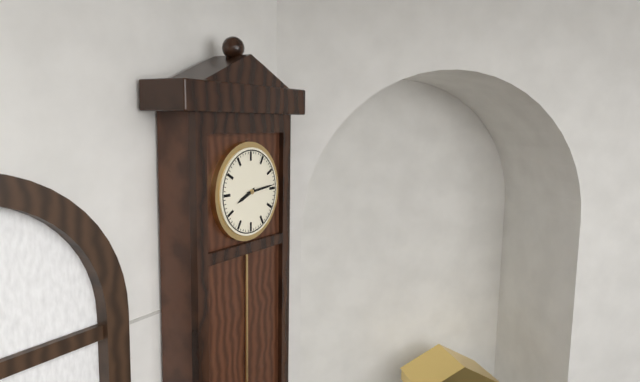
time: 8:14
